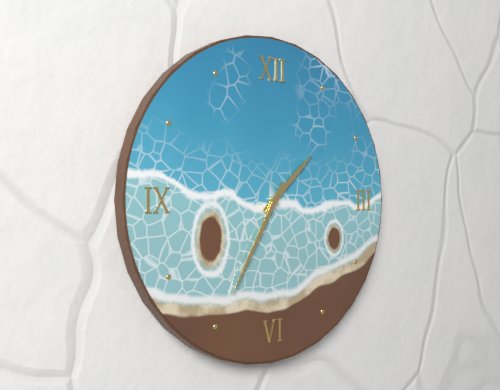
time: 1:35
